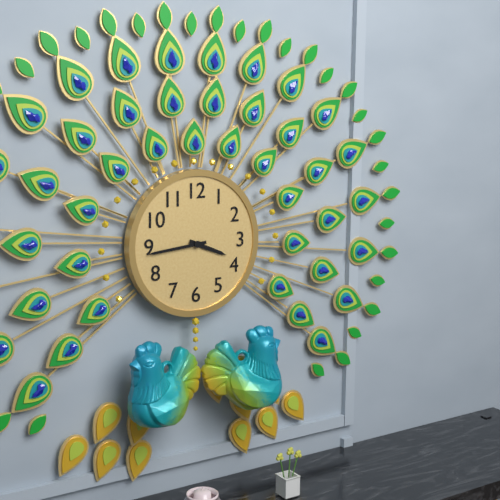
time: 3:44
